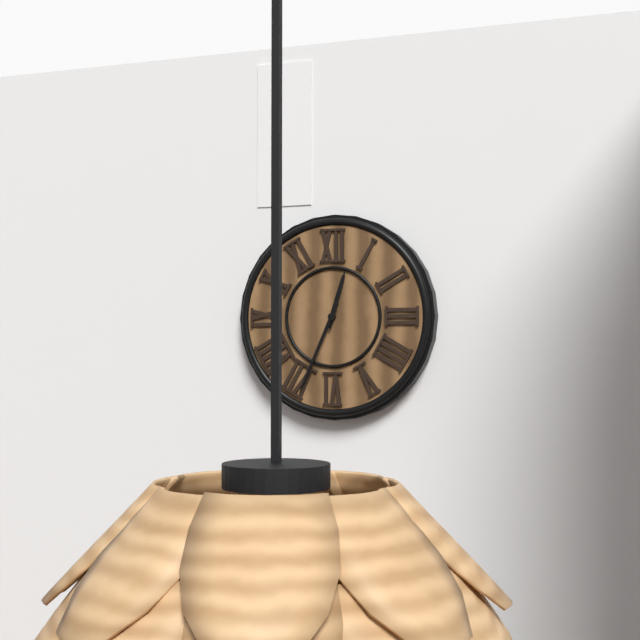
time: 12:34
